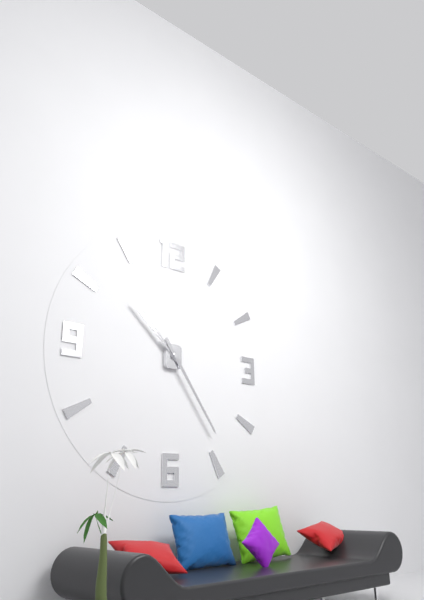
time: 10:24
